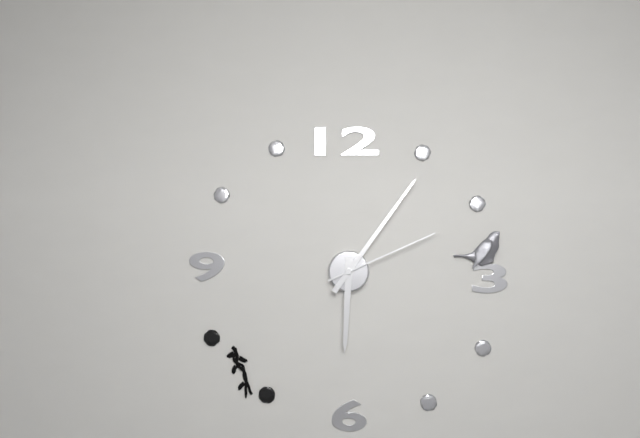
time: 6:06:11
